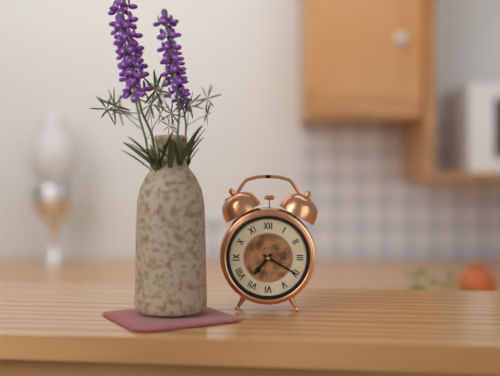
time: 7:20
